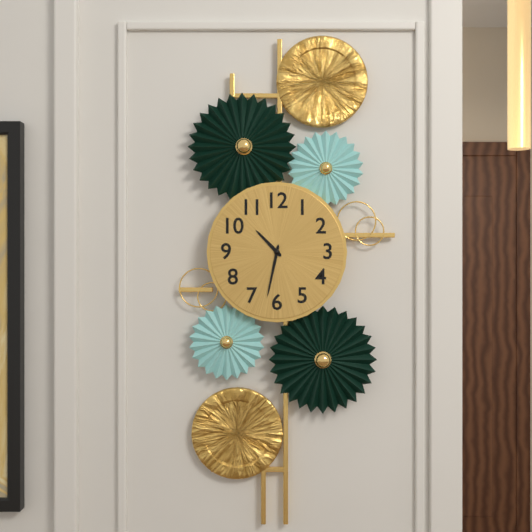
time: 10:32
